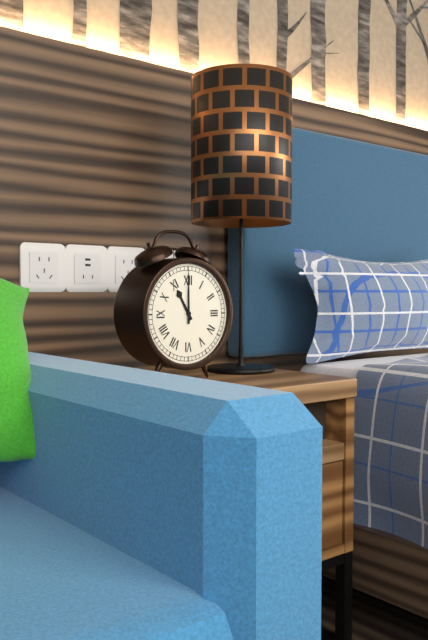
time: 11:00
